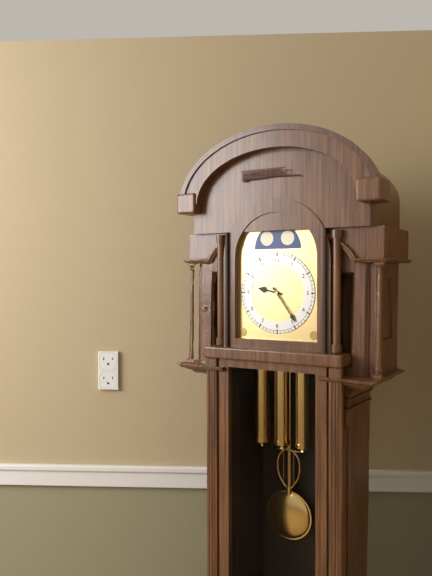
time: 9:24
